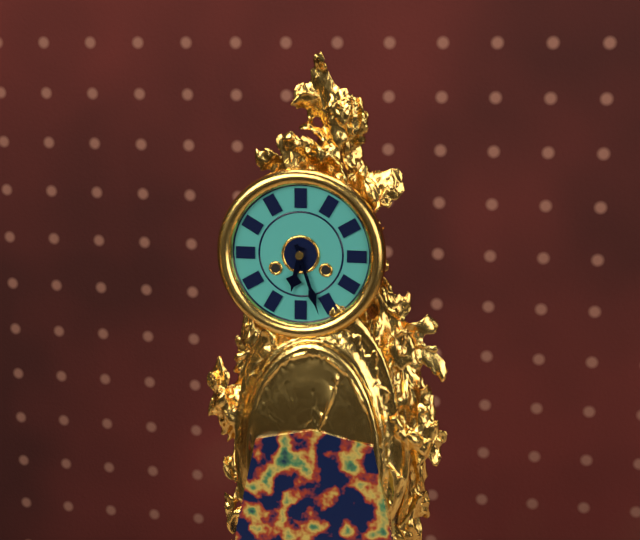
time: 6:27
